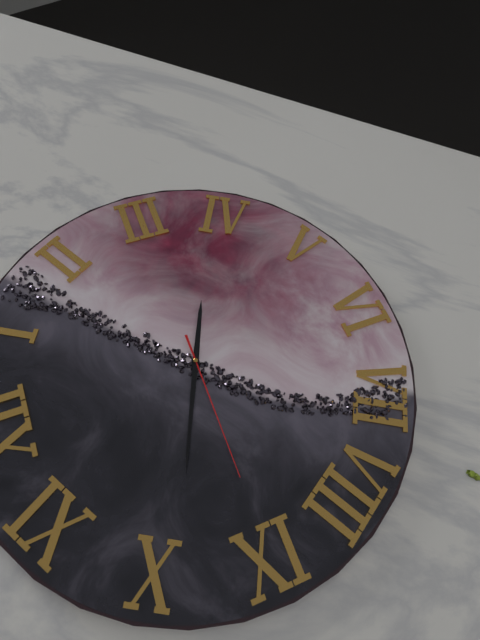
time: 3:49:45
